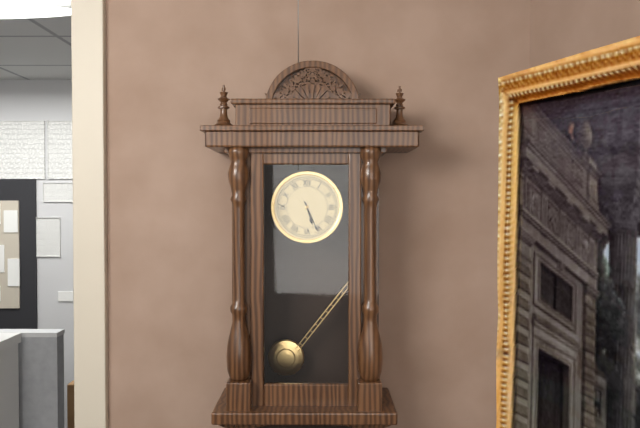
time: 5:26
